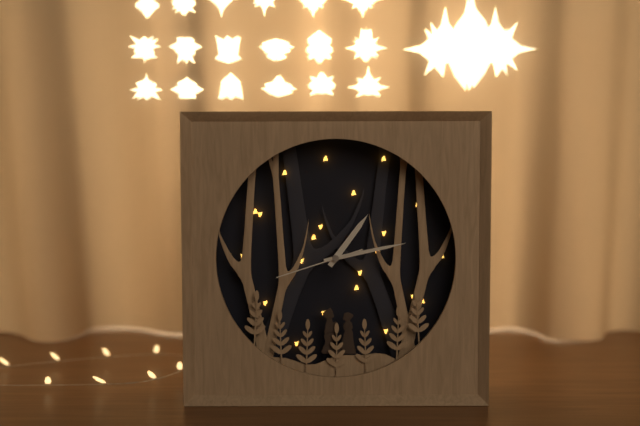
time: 1:13:42
